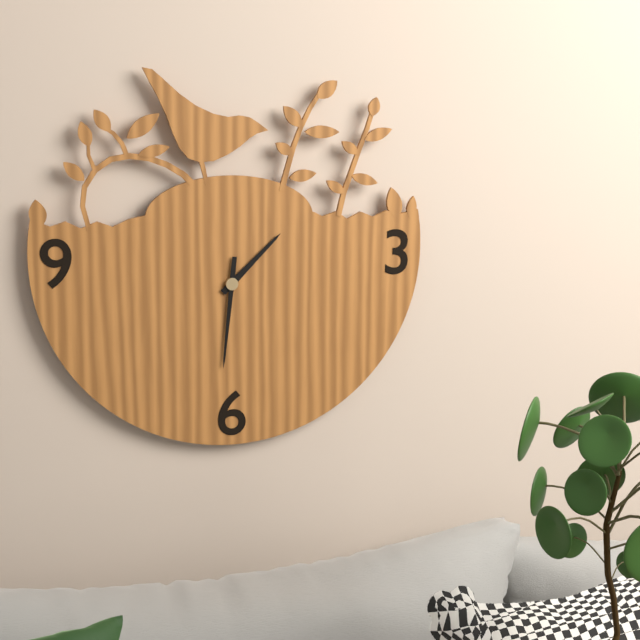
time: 1:31
